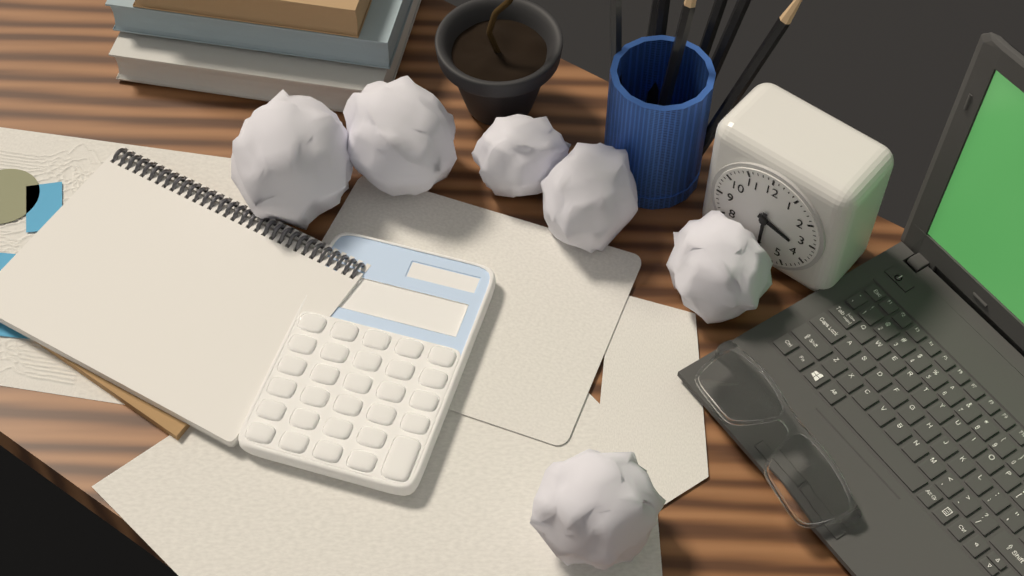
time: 3:30
